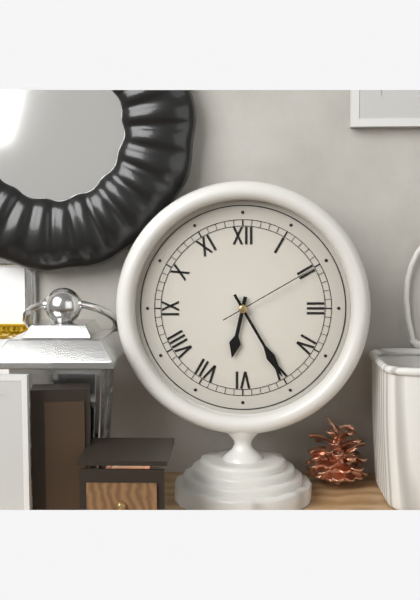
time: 6:25:10
